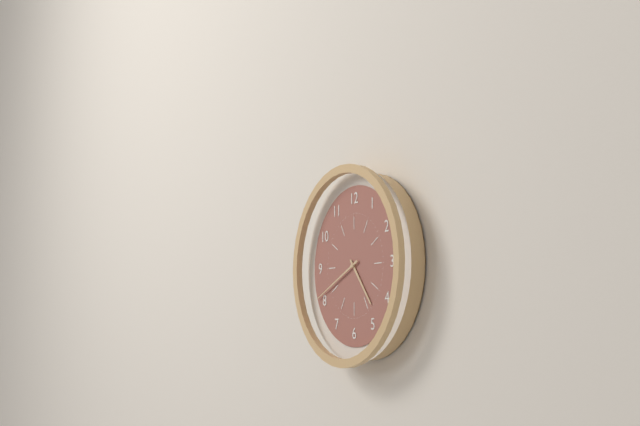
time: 4:41
